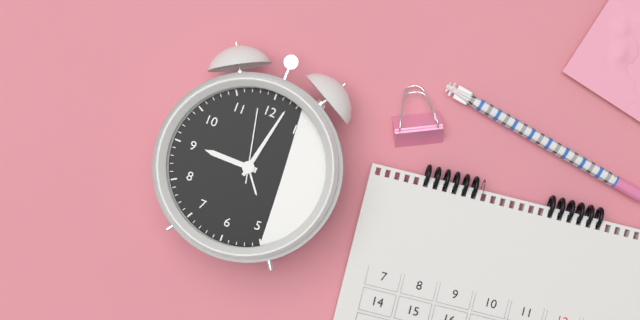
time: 9:02:58
